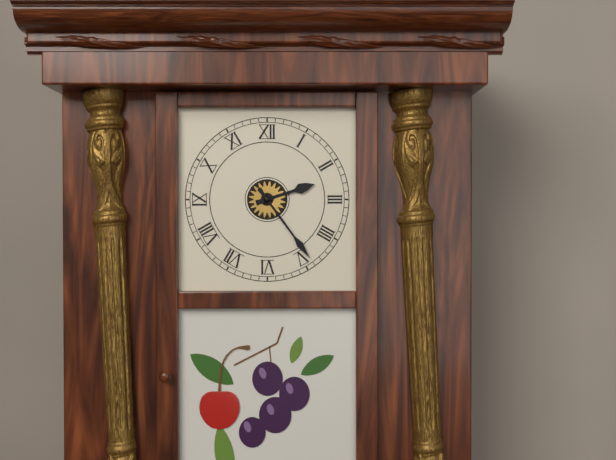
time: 2:24
